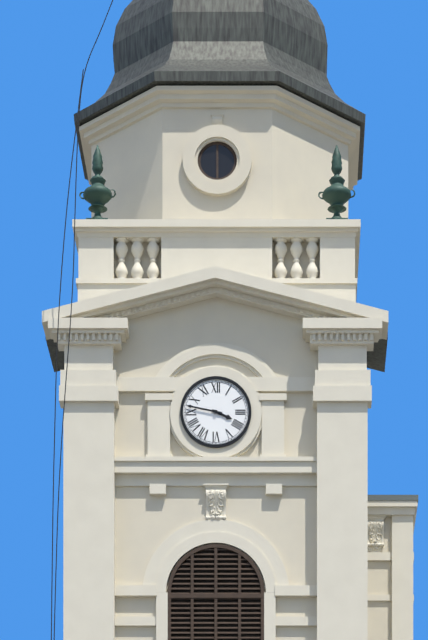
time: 3:47
